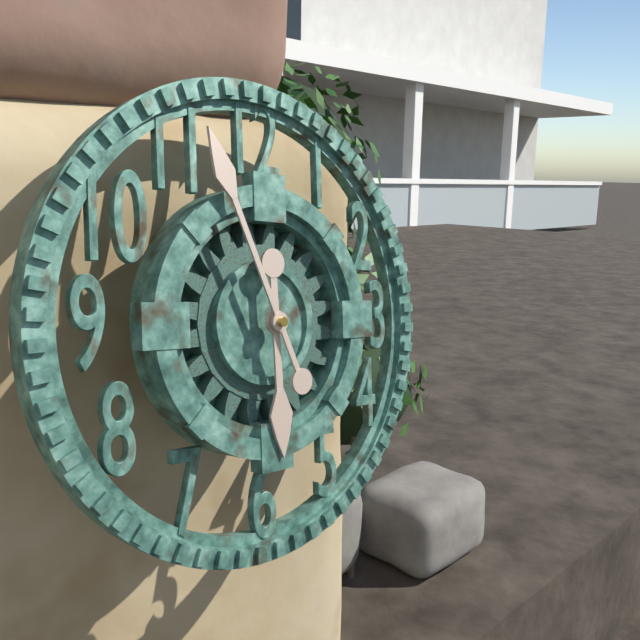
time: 5:56
